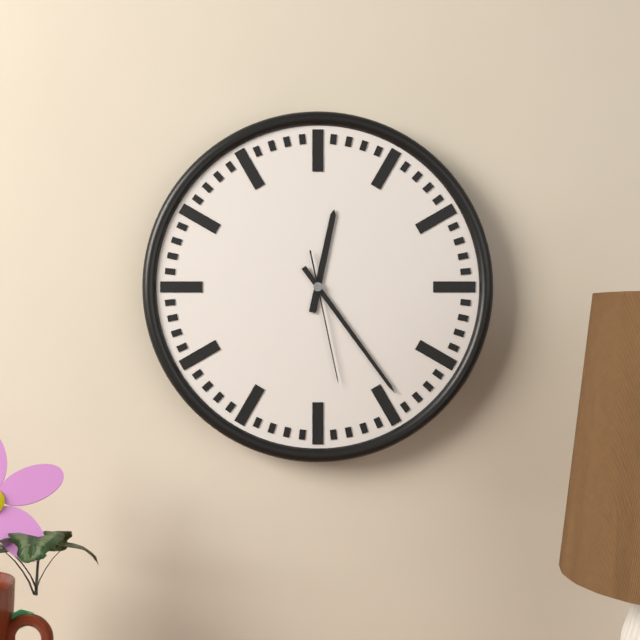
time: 12:24:28
